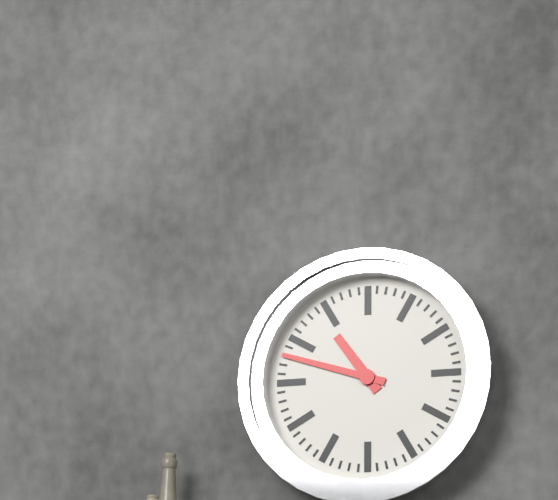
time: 10:48
